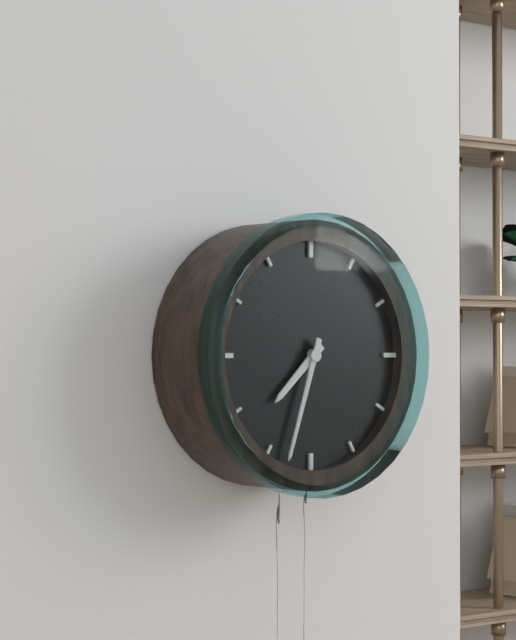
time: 7:33
